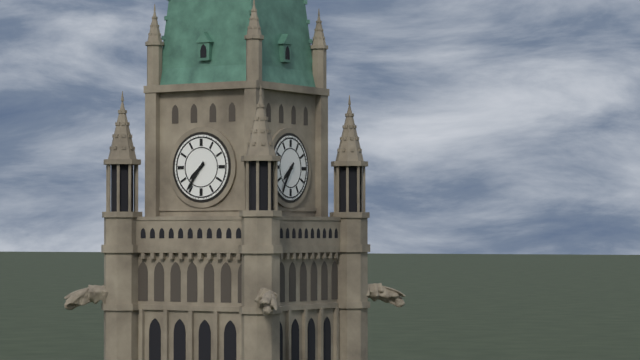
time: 7:36
